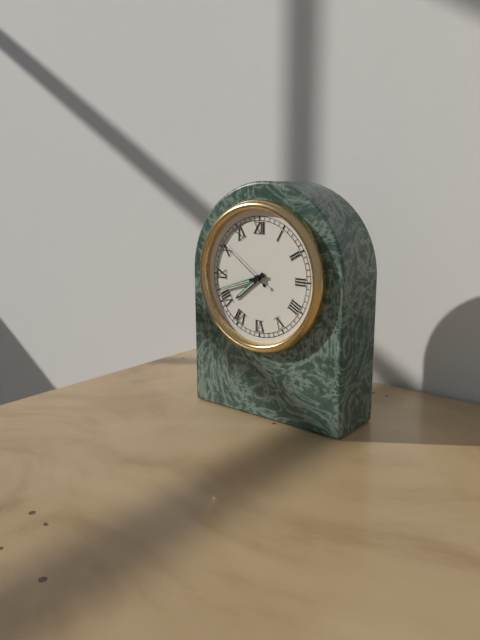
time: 7:42:51
